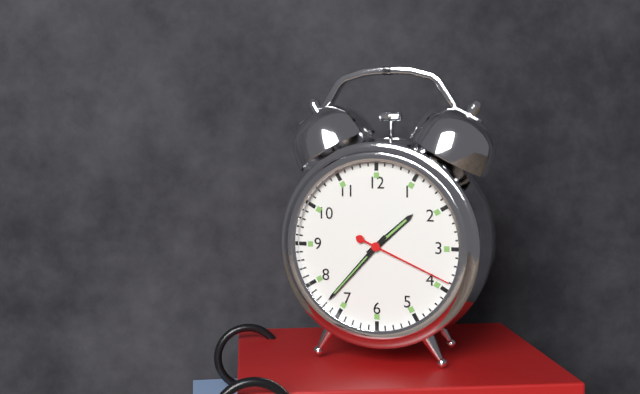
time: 1:37:19
